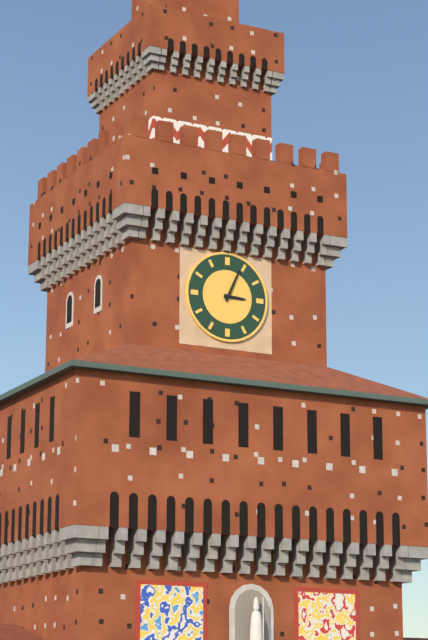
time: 3:04
